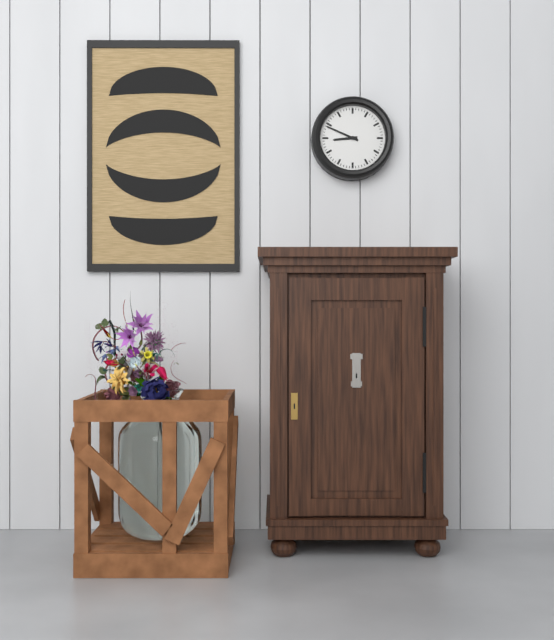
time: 8:49
